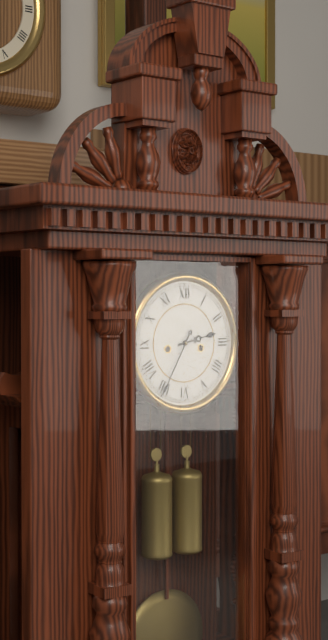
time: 2:35
